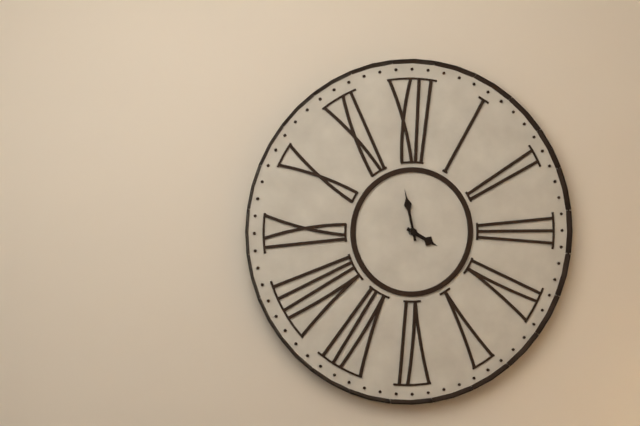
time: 3:58
